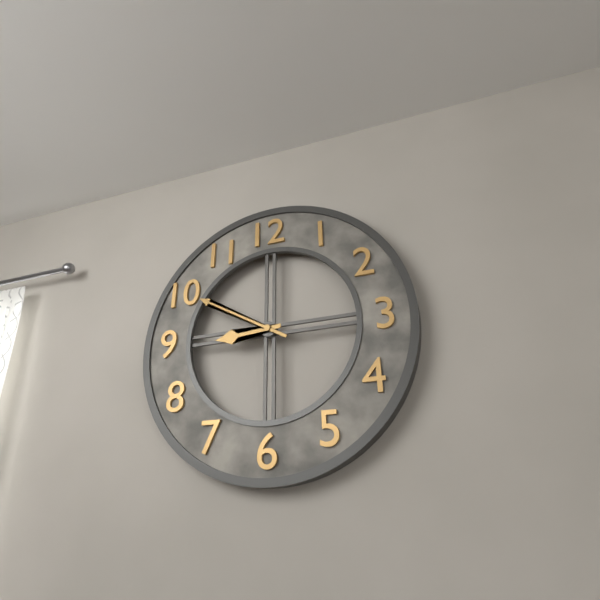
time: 8:50
